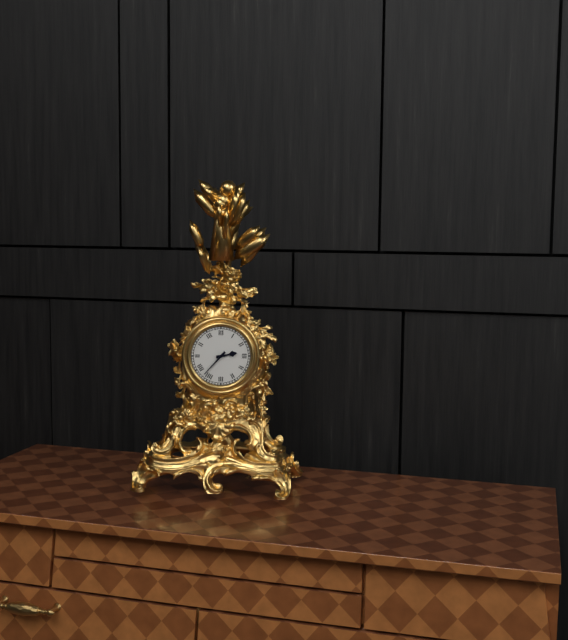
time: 2:37
